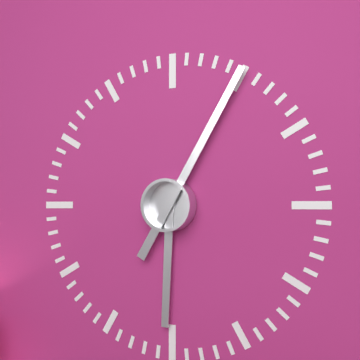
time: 6:05
